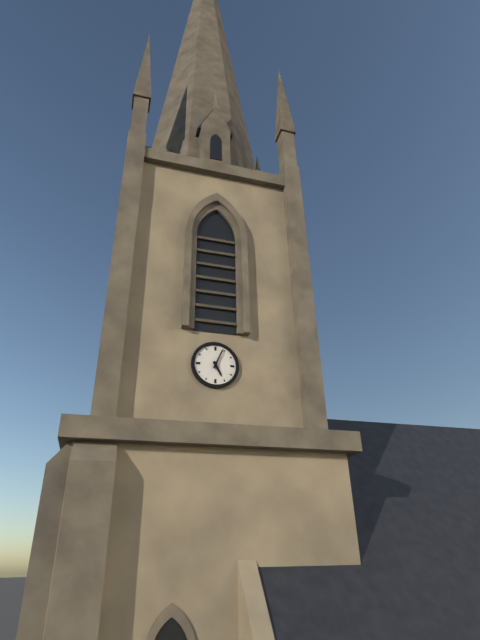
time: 5:04
